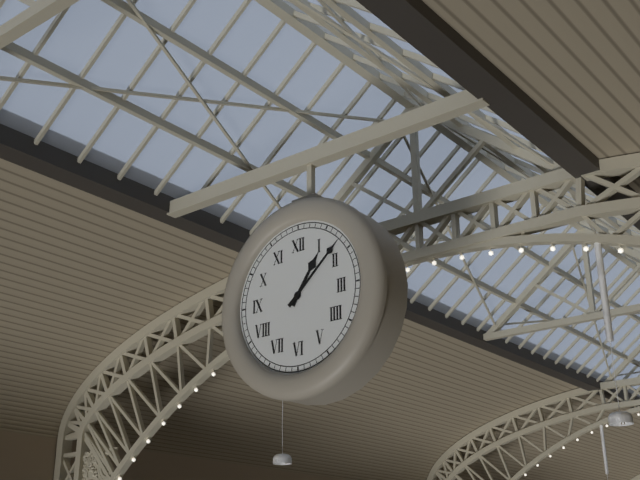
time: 1:08
